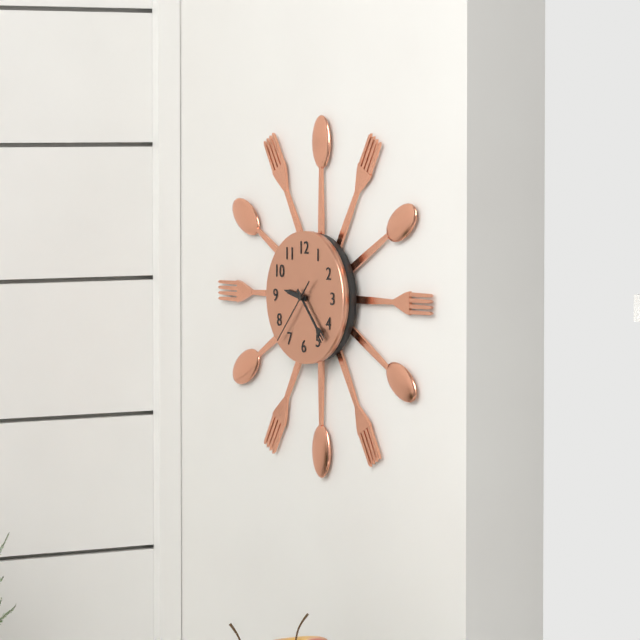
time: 9:23:37
